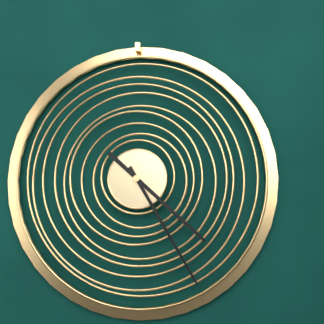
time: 4:25
